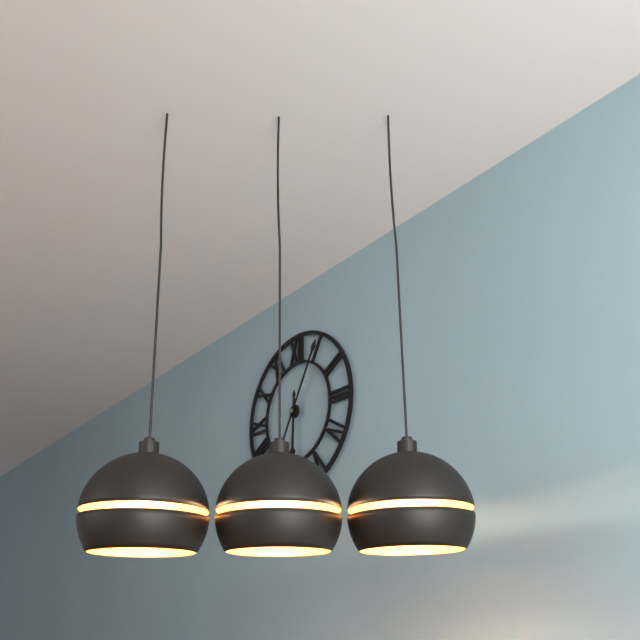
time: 6:05
